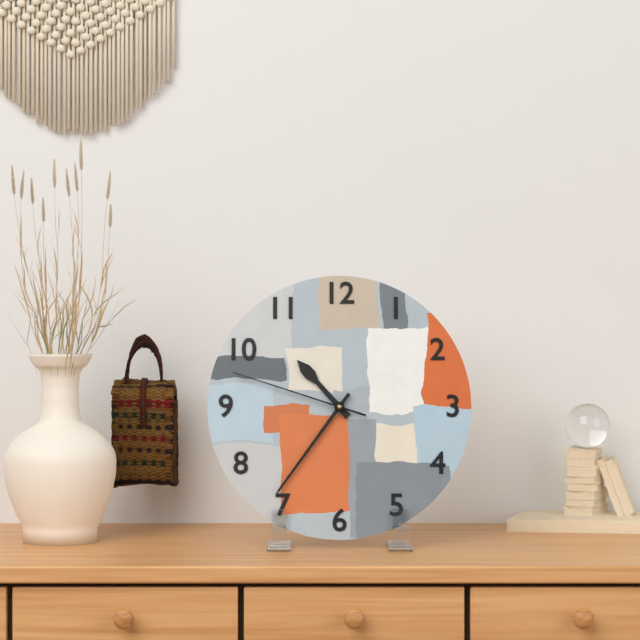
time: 10:36:48
